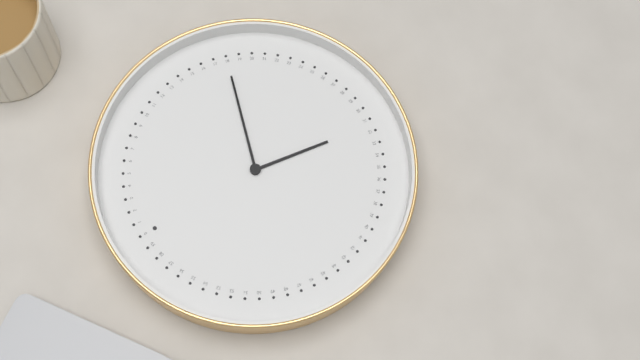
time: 6:18
